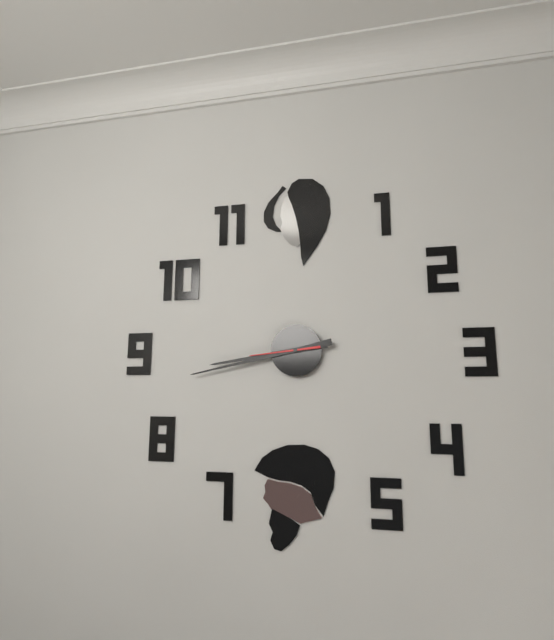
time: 8:43:44
